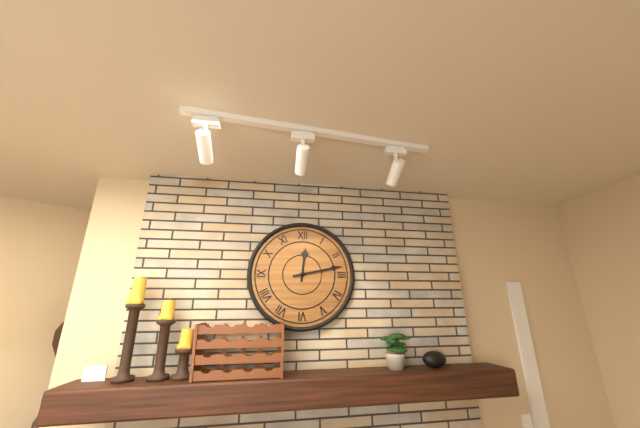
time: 12:13
